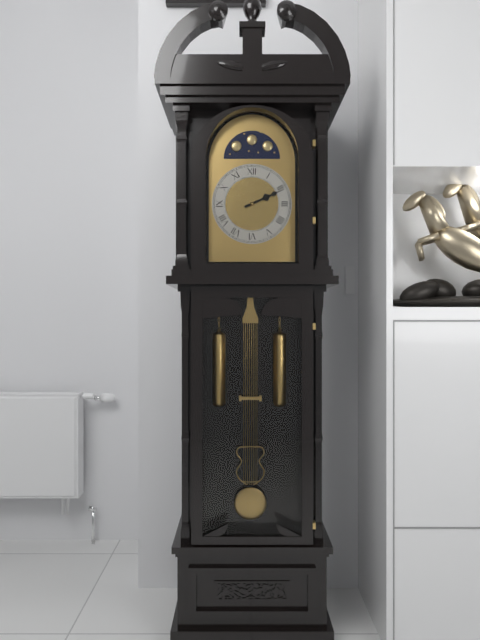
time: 2:11
